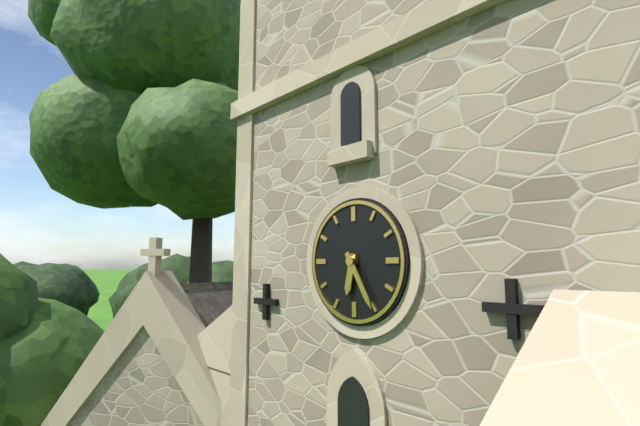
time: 6:25
